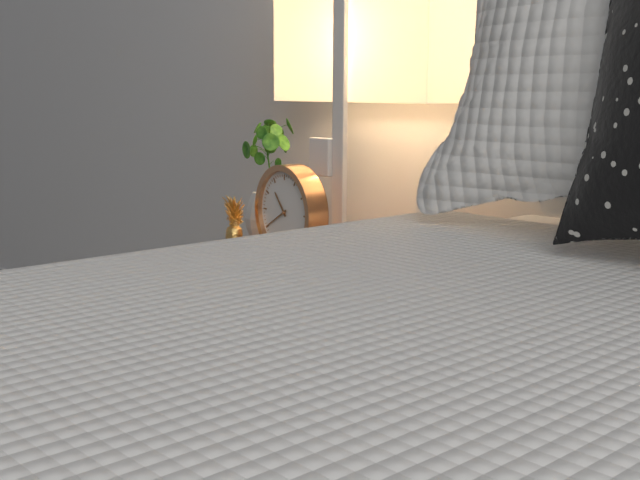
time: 10:40
